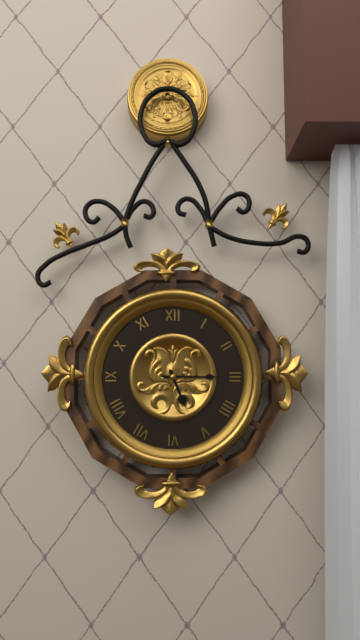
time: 5:15
